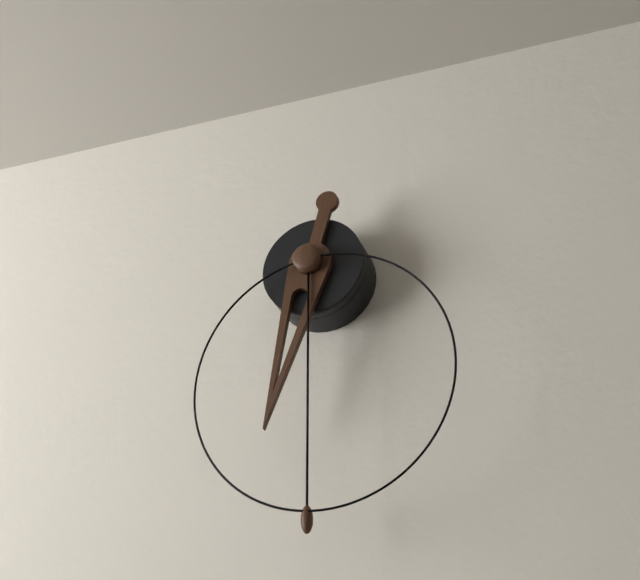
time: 6:30:29
